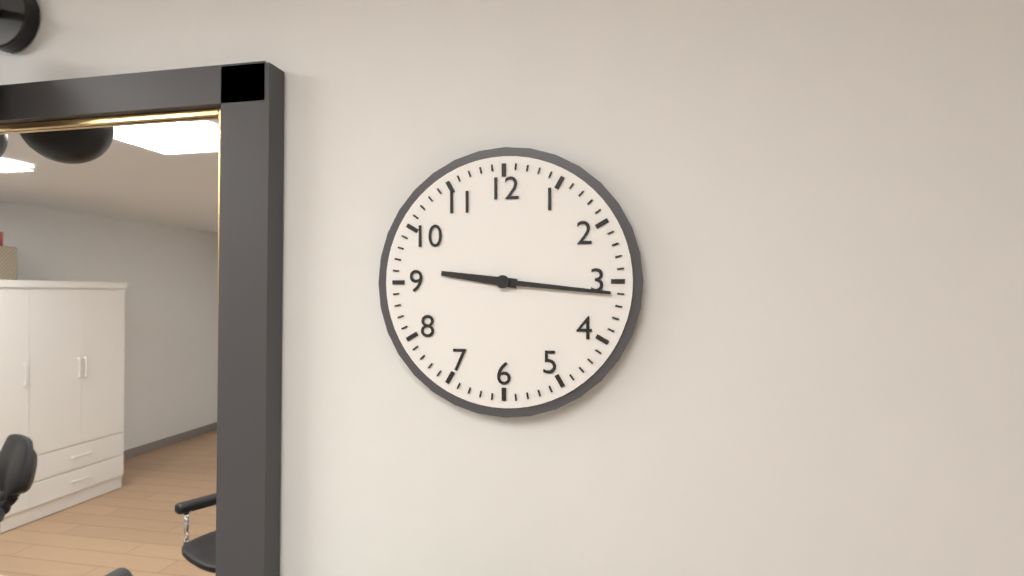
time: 9:16
